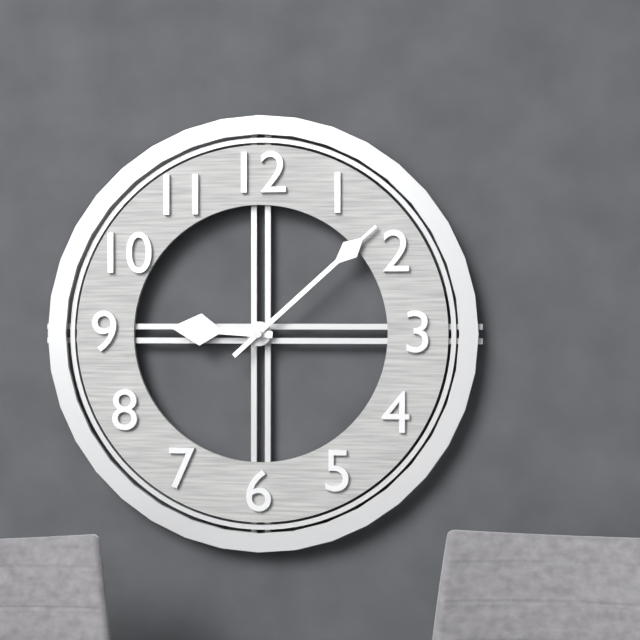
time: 9:08
